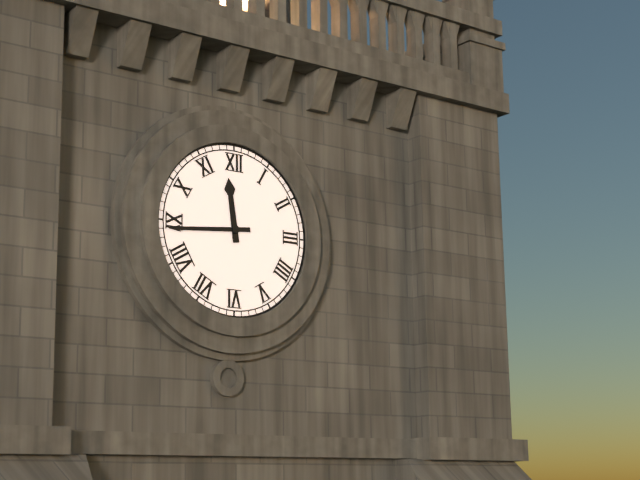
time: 11:44
